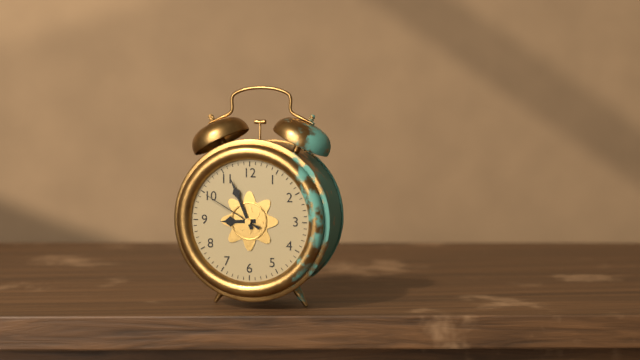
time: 8:56:50
